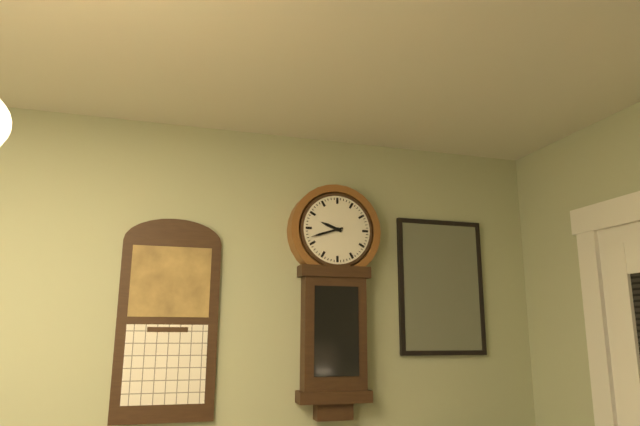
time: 9:42
